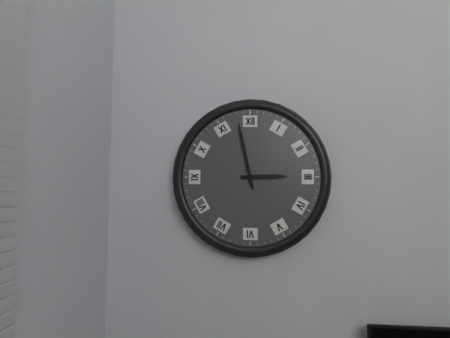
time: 2:58
